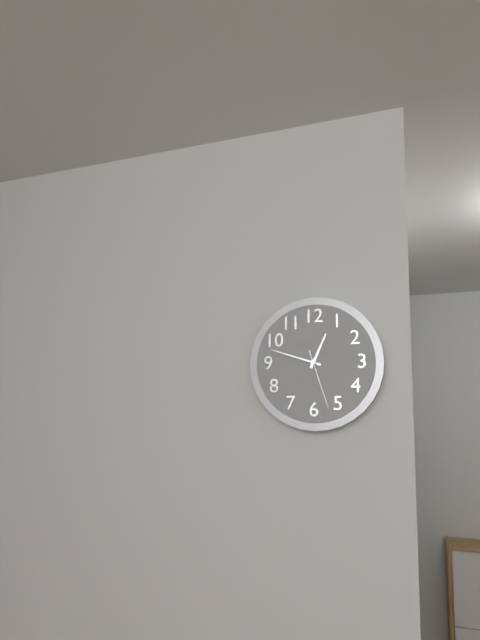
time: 12:48:27
